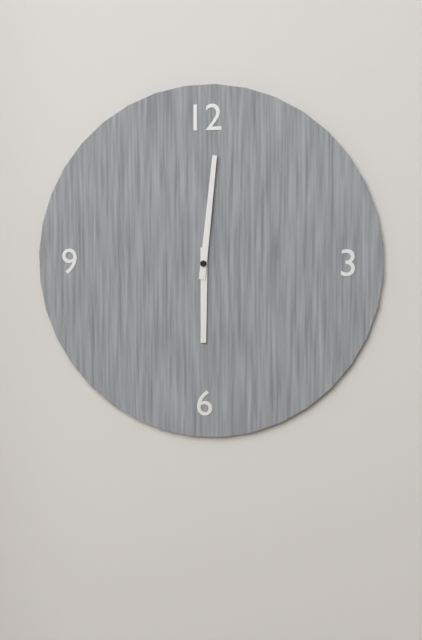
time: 6:01
